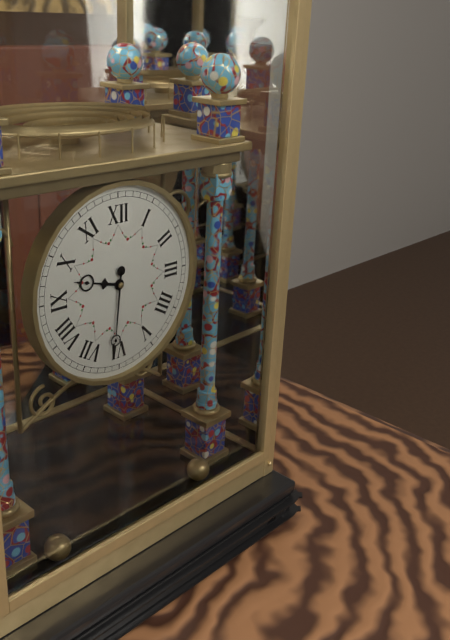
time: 9:31
